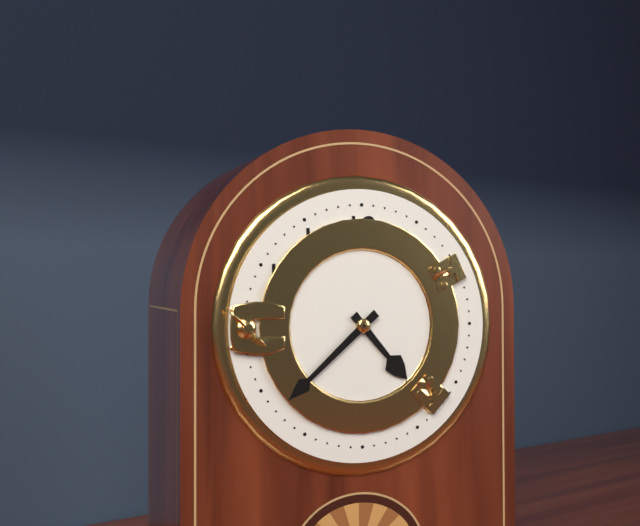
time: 4:38
